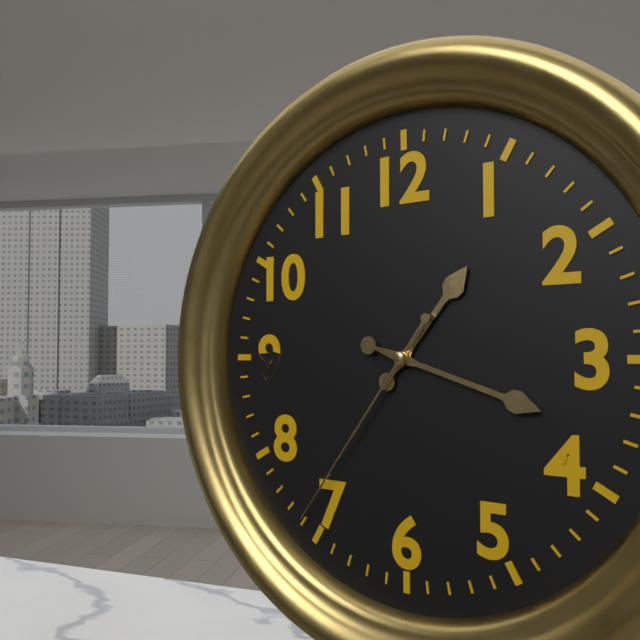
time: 1:18:36
